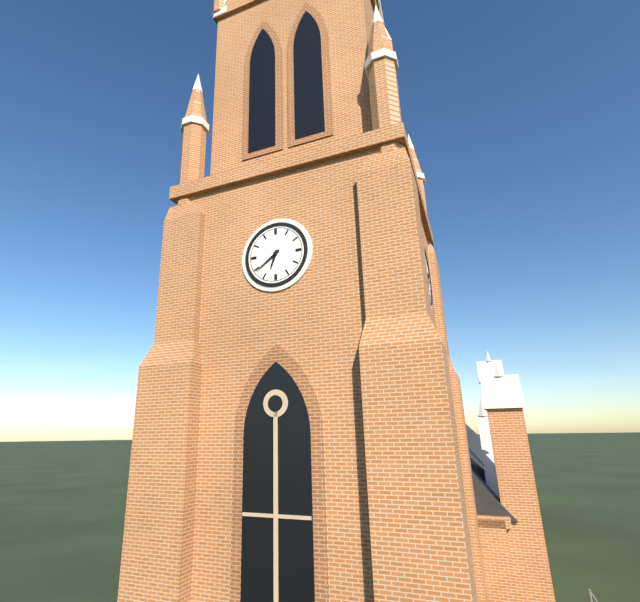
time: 6:39
